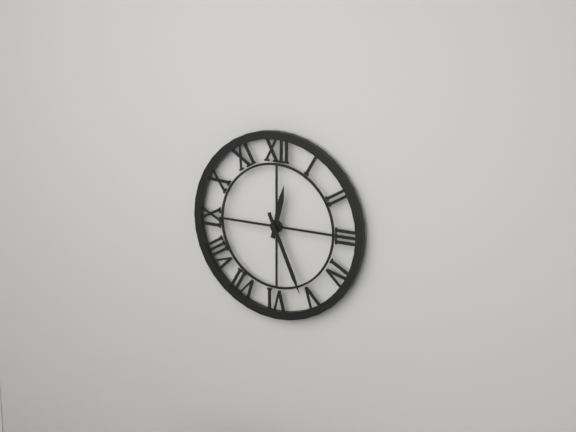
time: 12:26
